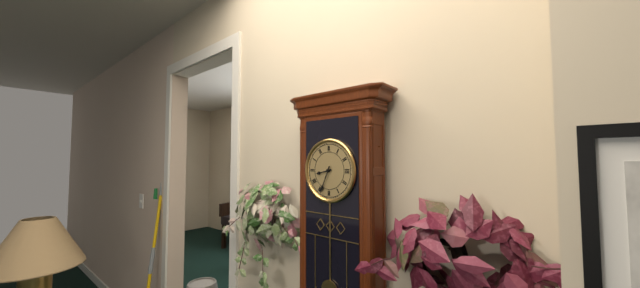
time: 8:34
